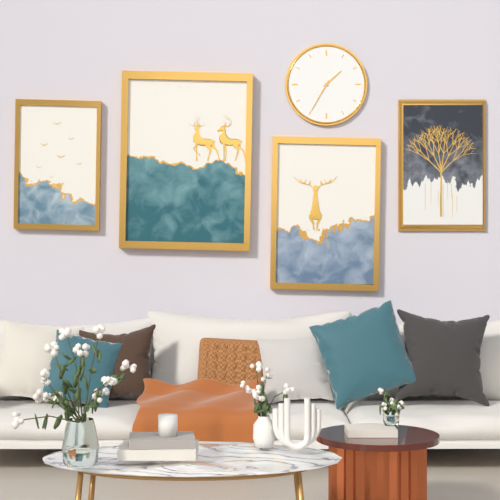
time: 1:35
